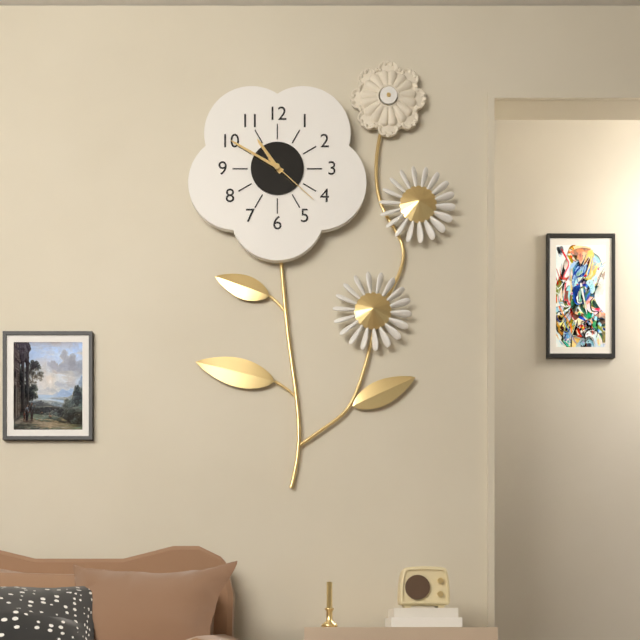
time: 10:50:22
